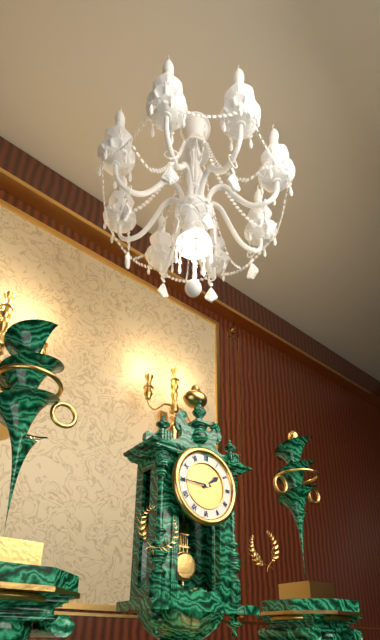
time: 1:45
